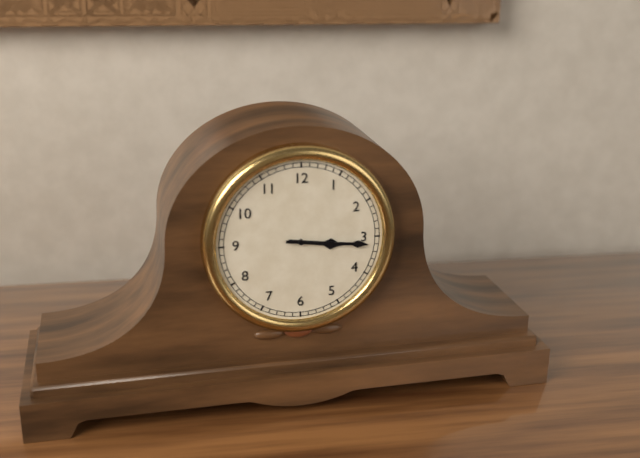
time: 3:16
